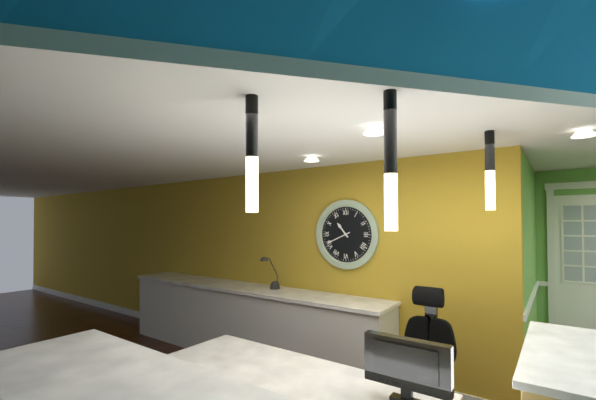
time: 10:41
